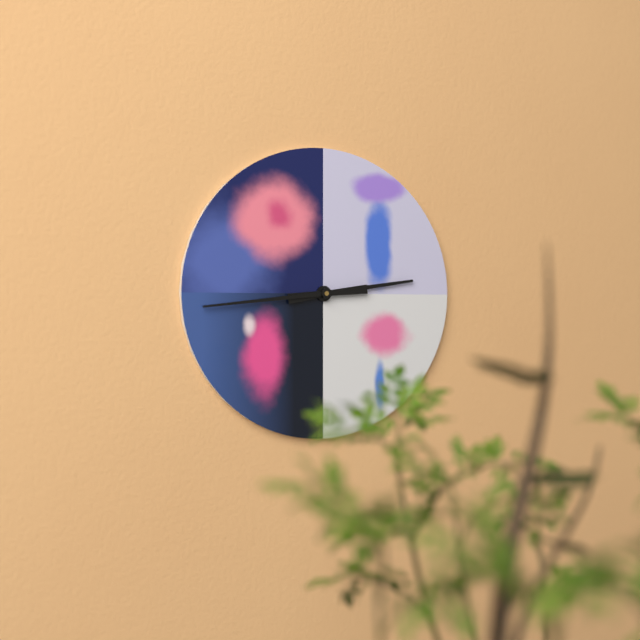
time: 2:44
